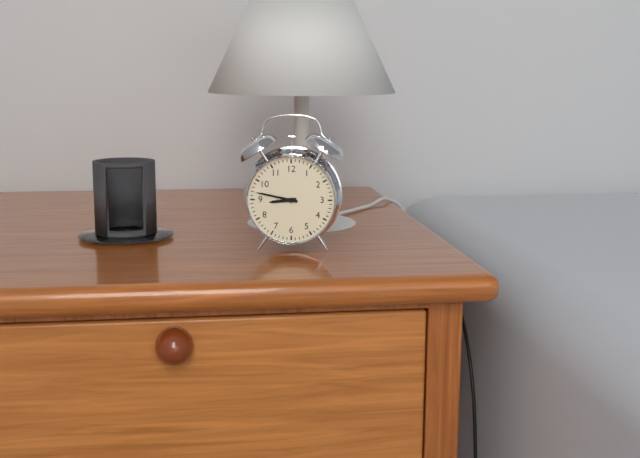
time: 8:47
